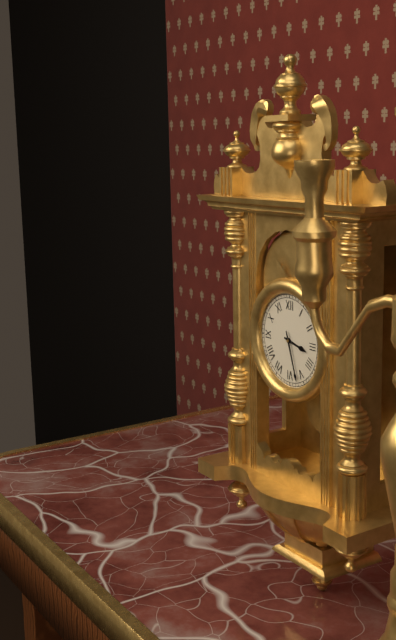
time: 3:27
